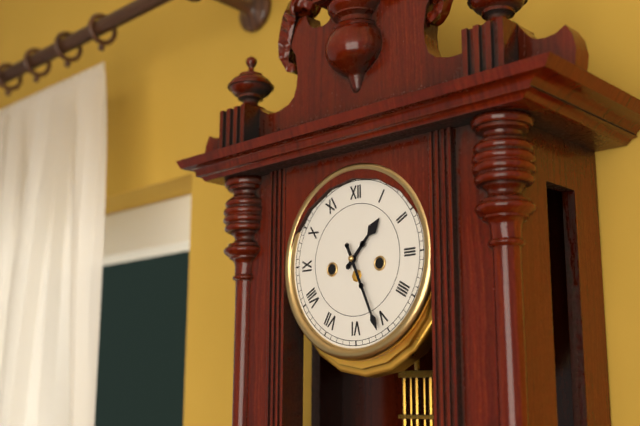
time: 1:26
